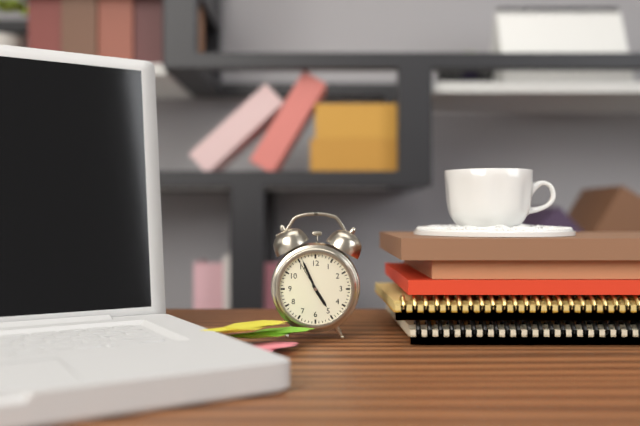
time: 4:56
